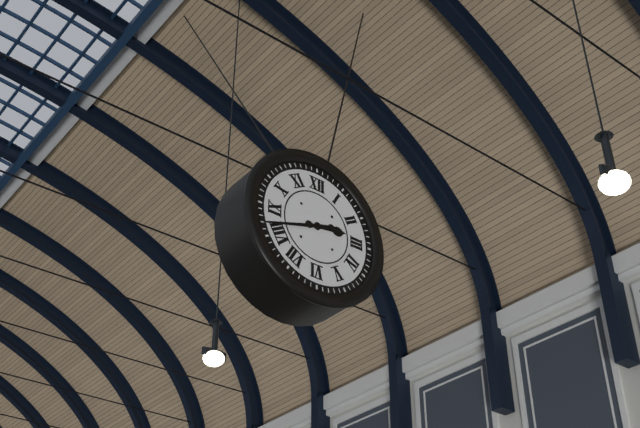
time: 2:42
